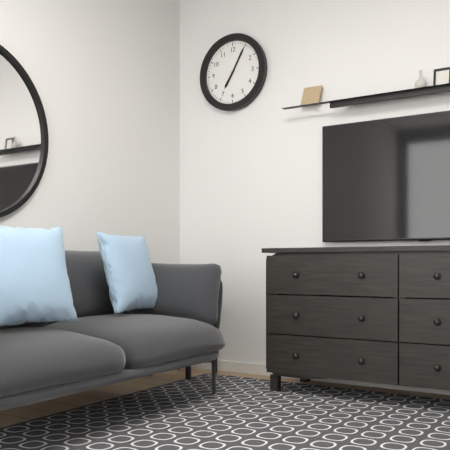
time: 7:05
